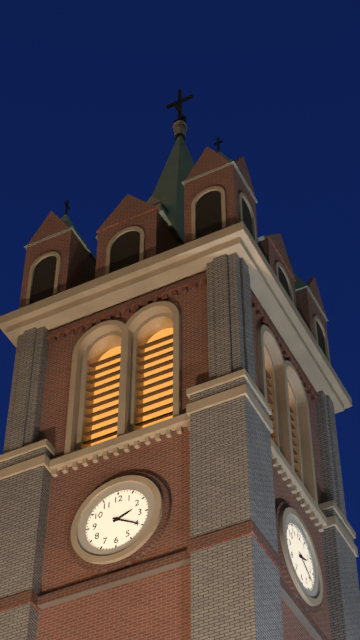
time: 2:20
